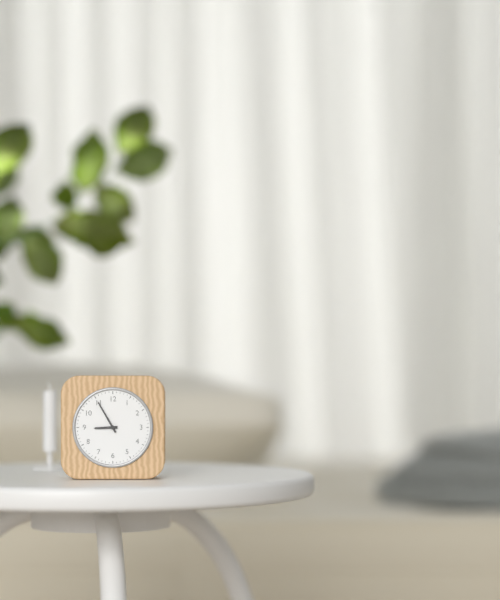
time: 8:55
